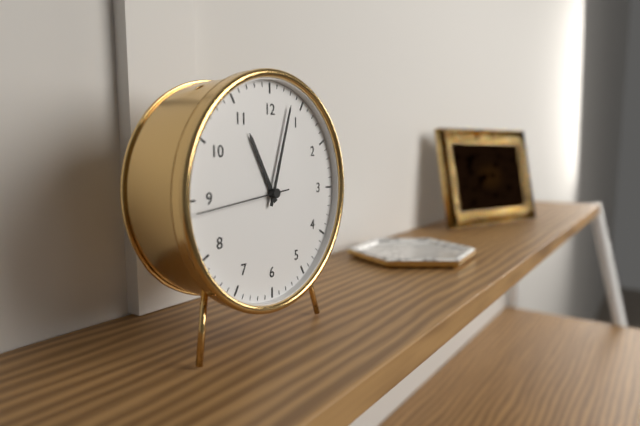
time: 11:03:44
